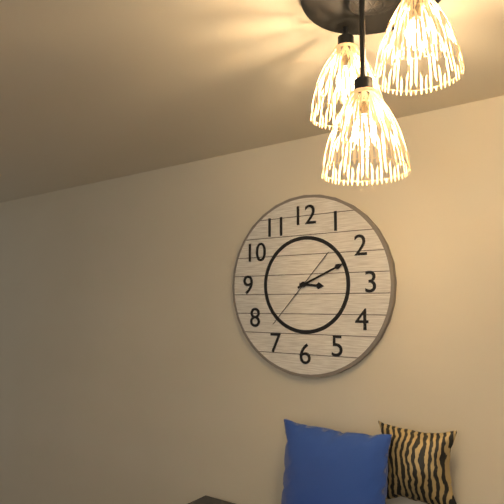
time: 3:11:37
